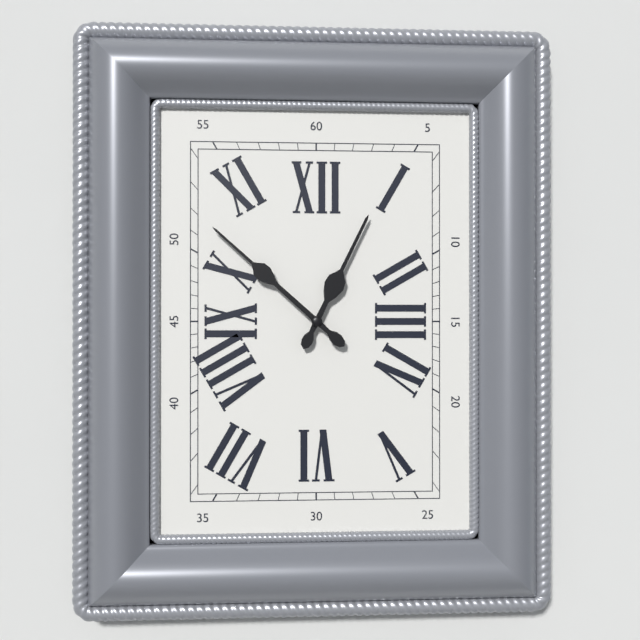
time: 12:52
